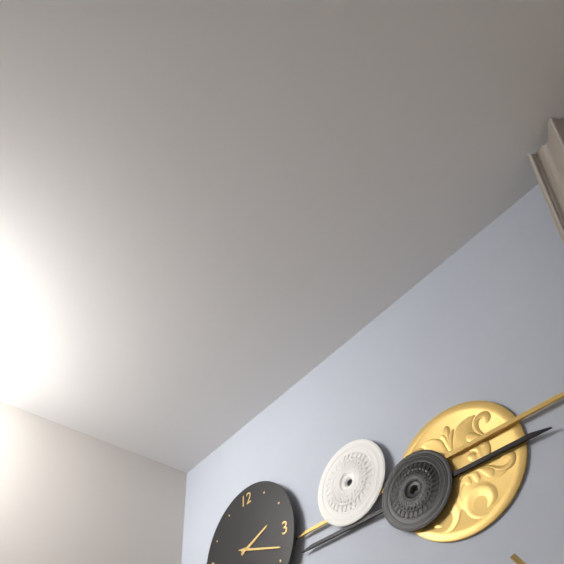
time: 2:18
